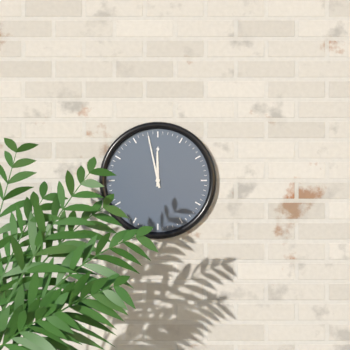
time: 11:58
